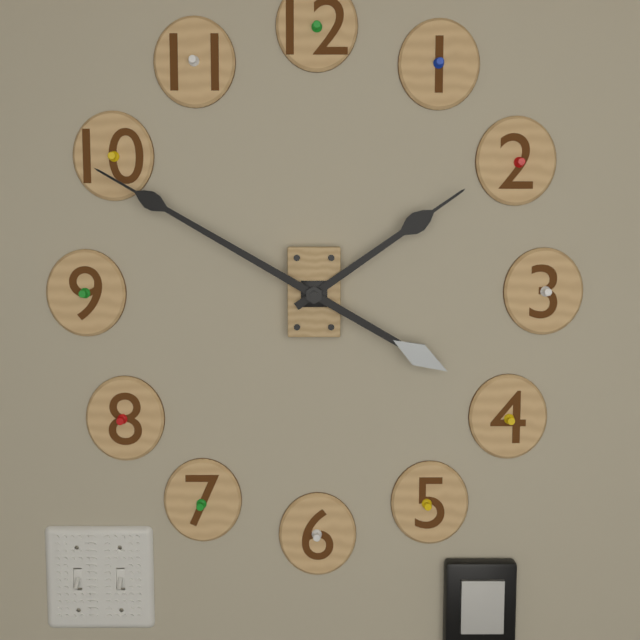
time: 1:50
